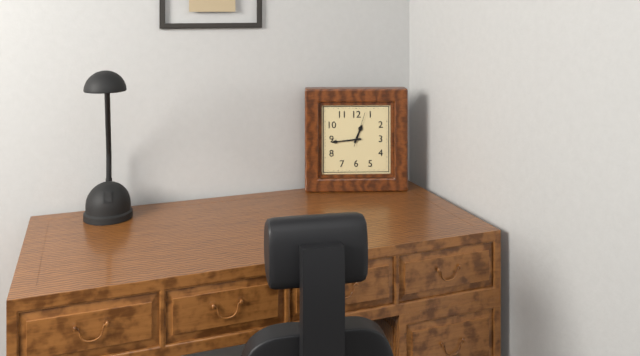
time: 12:44
